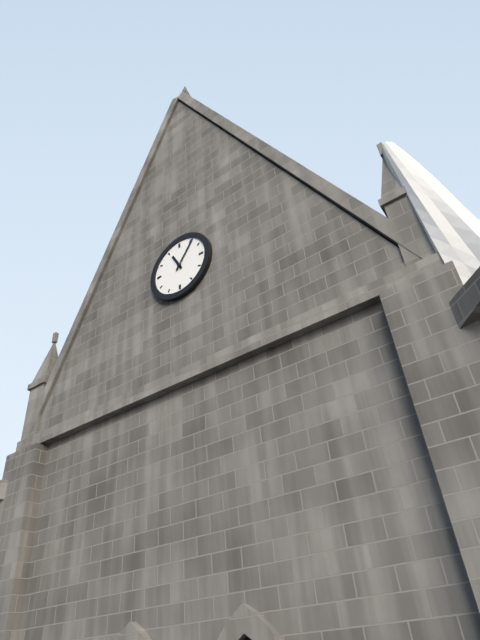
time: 11:06
